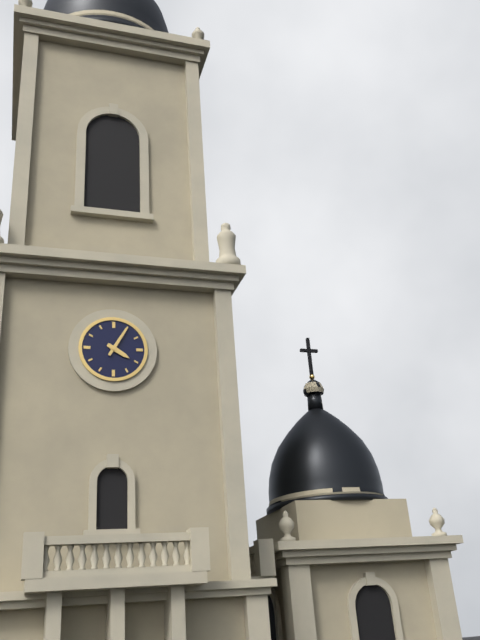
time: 4:05
